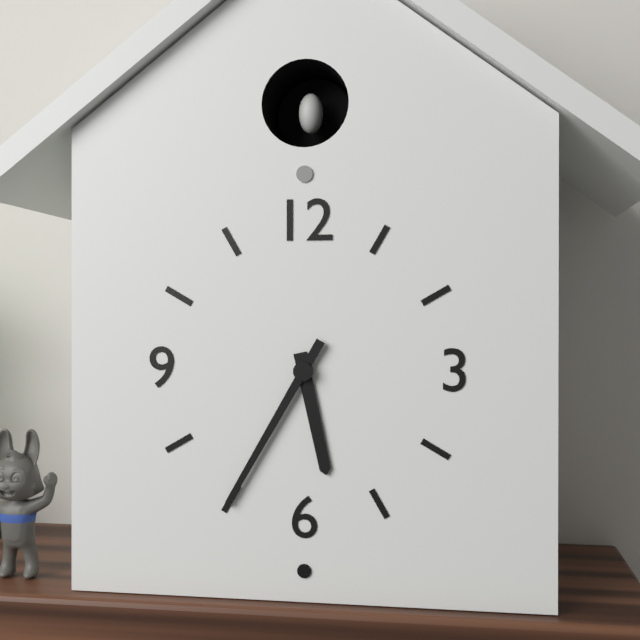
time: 5:35
